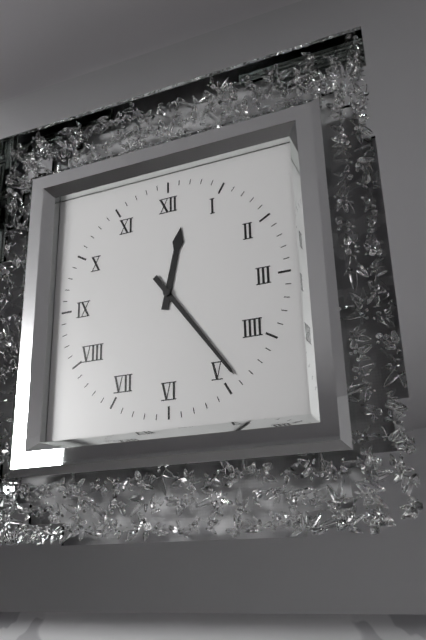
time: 12:24
